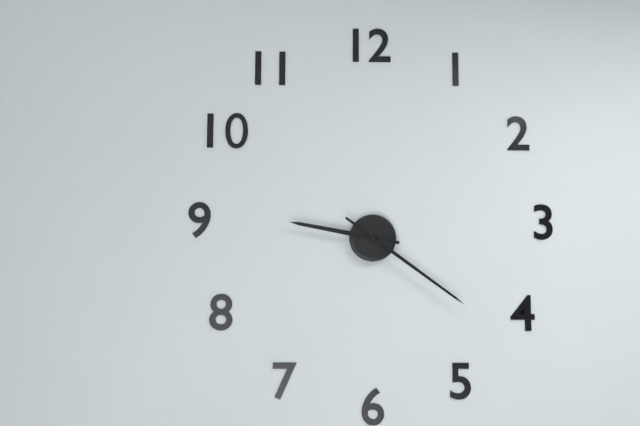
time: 9:21
